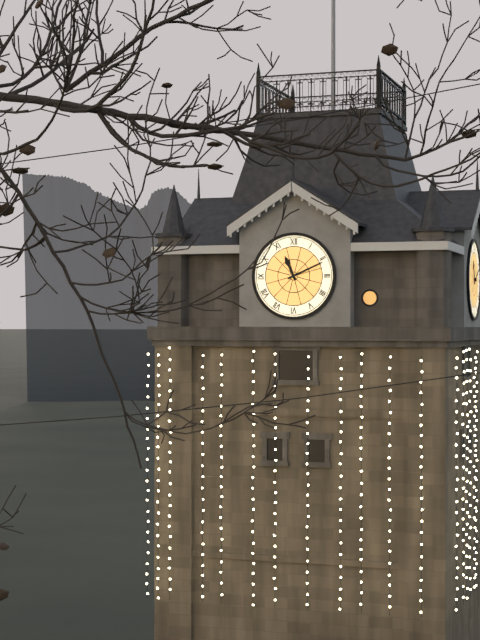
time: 11:11
